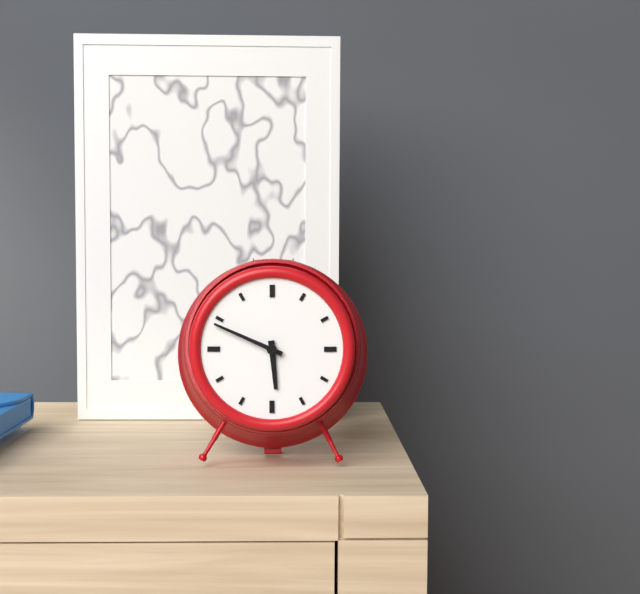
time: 5:49
